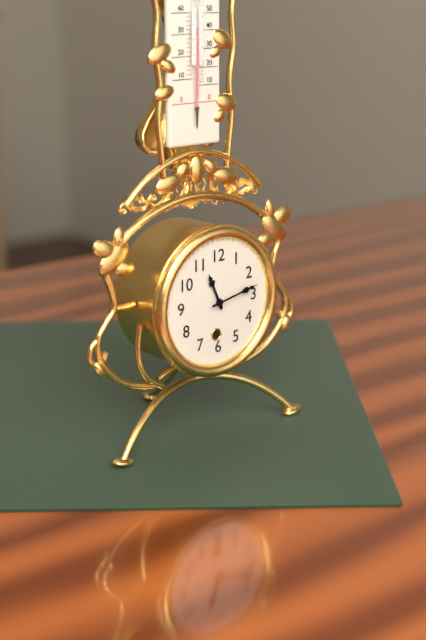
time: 11:13
